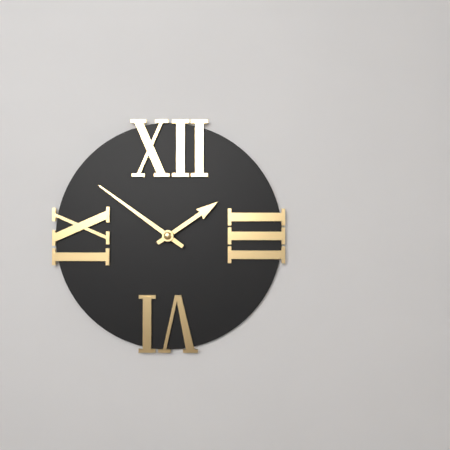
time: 1:51
